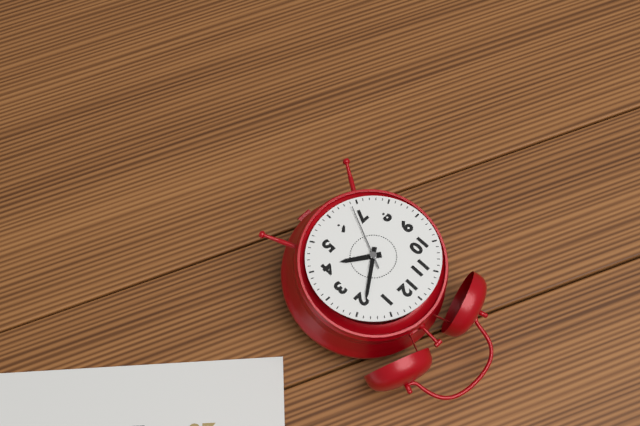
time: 4:09:34
